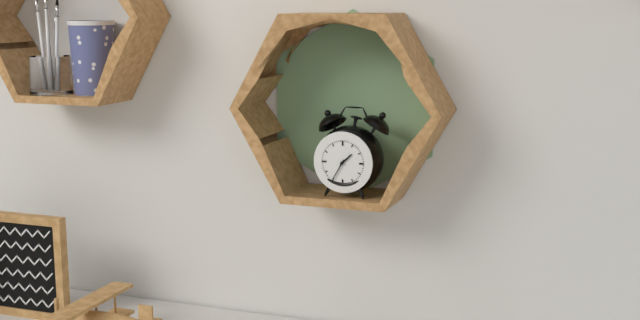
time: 1:35
